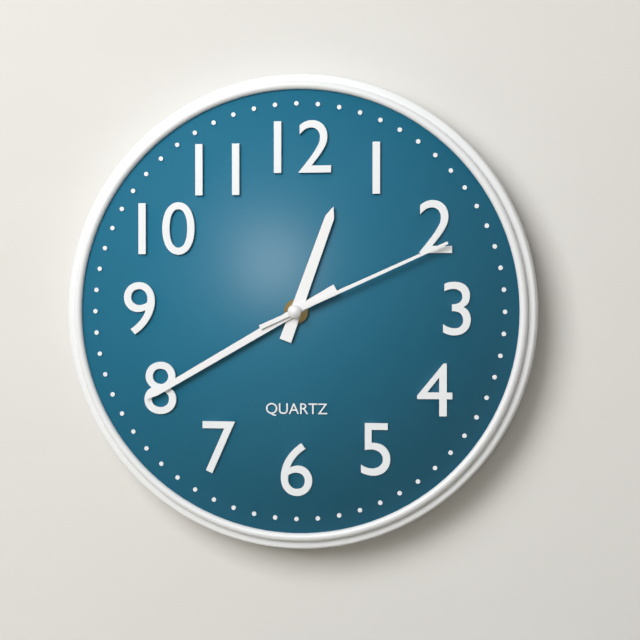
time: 12:40:11
